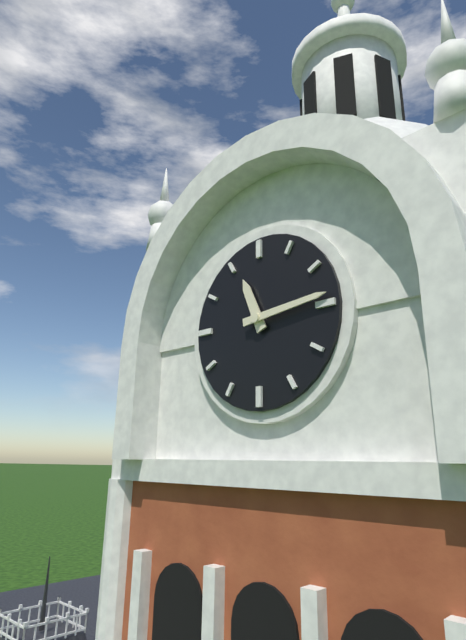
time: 11:14
